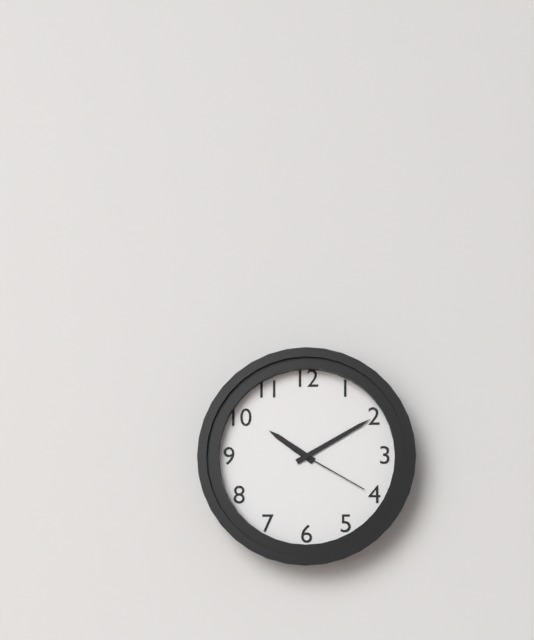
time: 10:10:20
